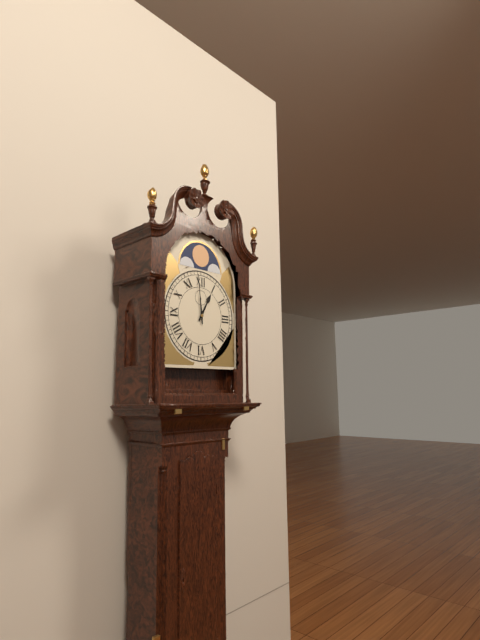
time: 12:59
